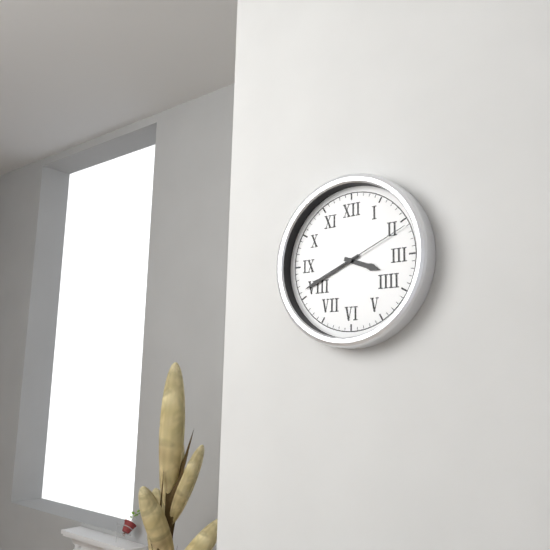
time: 3:41:11
